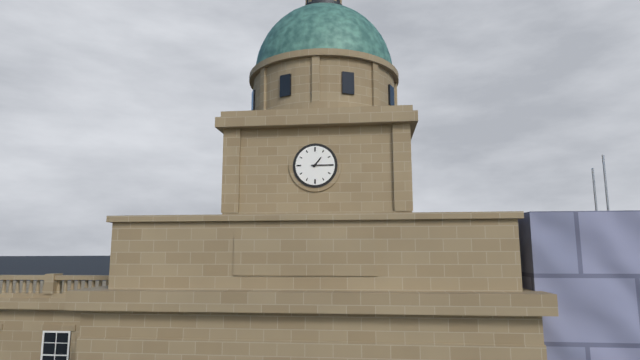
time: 1:15
